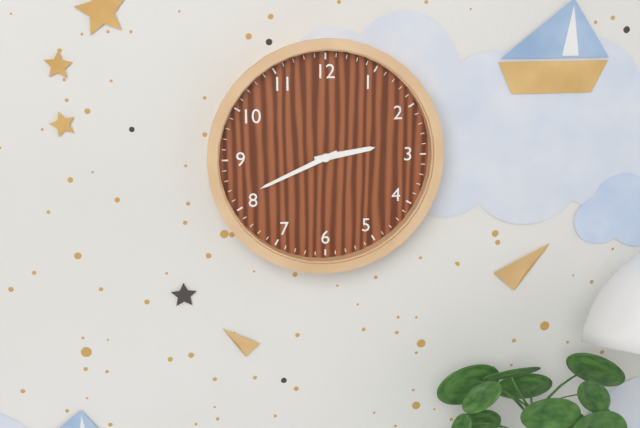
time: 2:41
